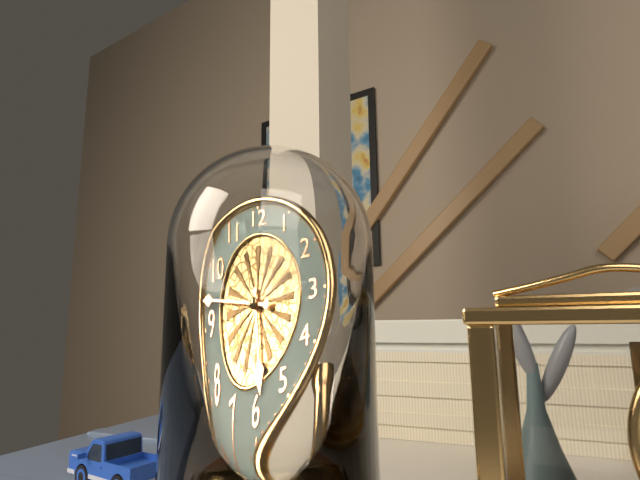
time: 5:47
